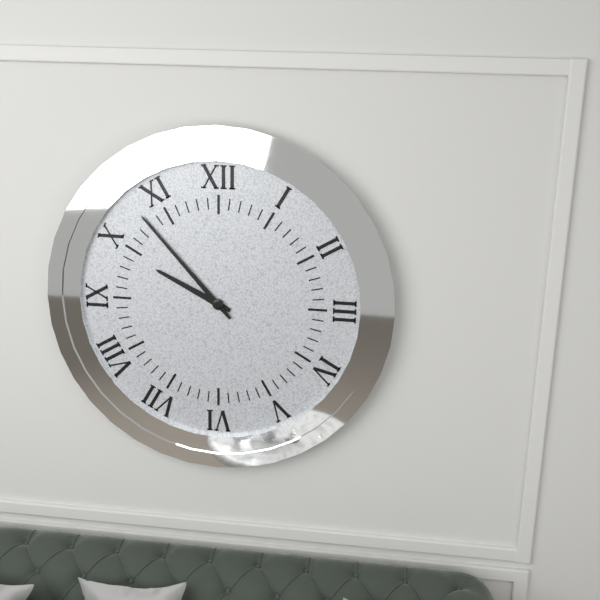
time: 9:53
